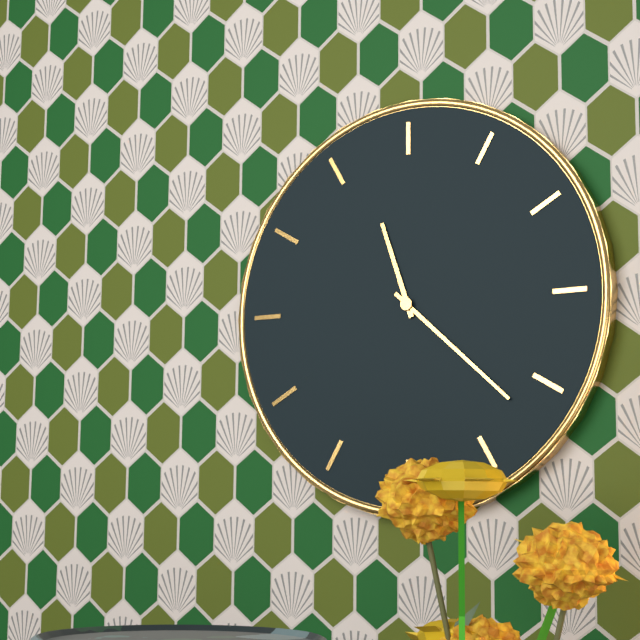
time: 11:22
